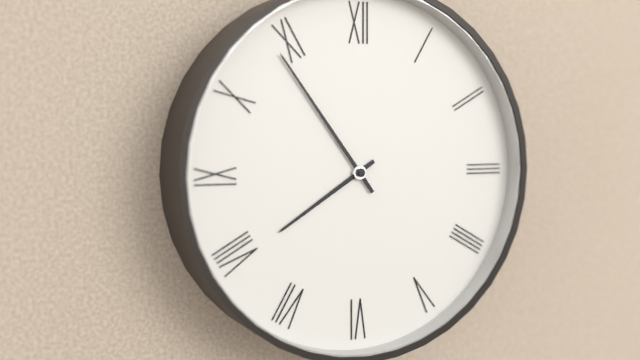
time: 7:54
